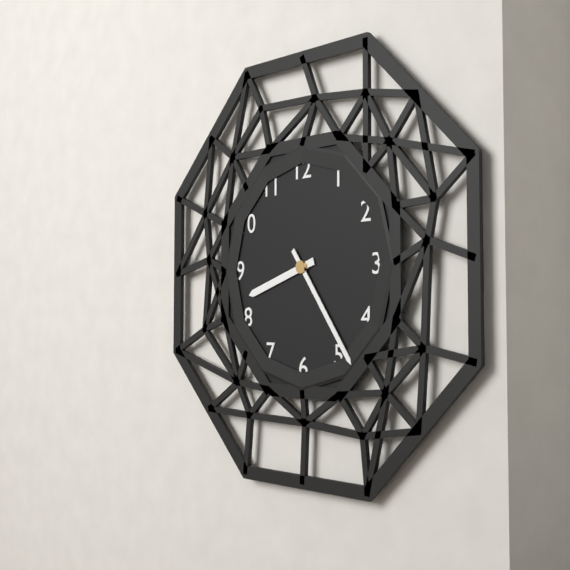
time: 8:24
